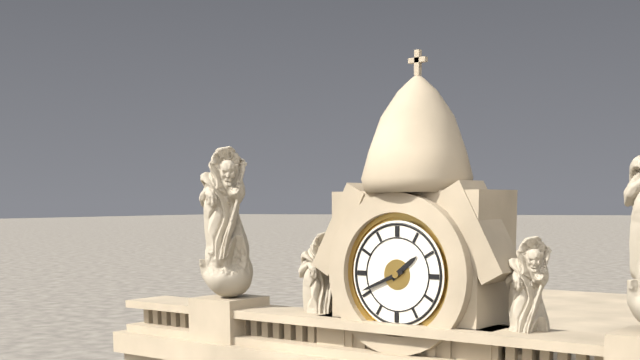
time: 1:41
